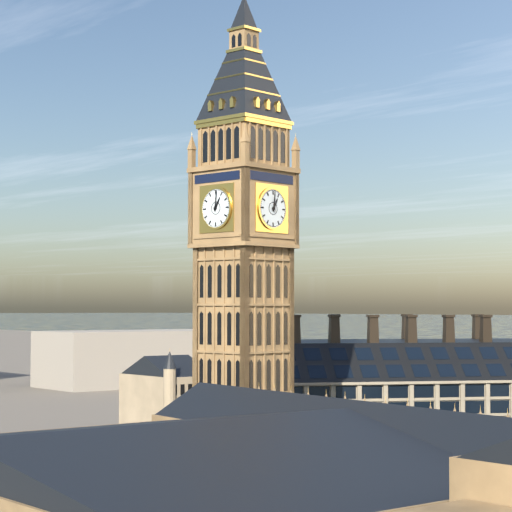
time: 1:01
